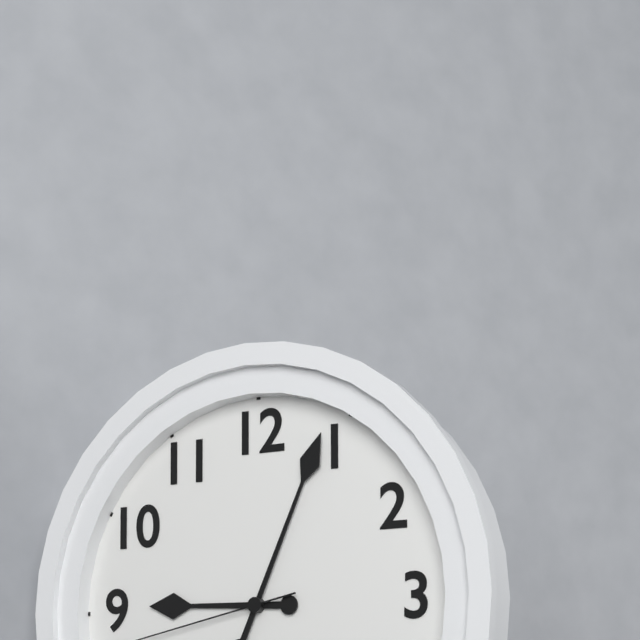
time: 9:04
